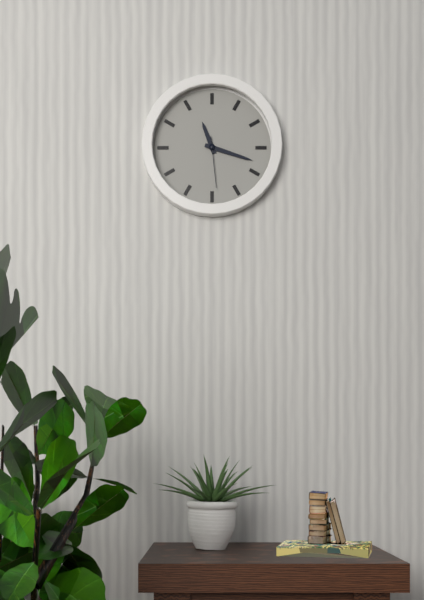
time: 11:18:29
